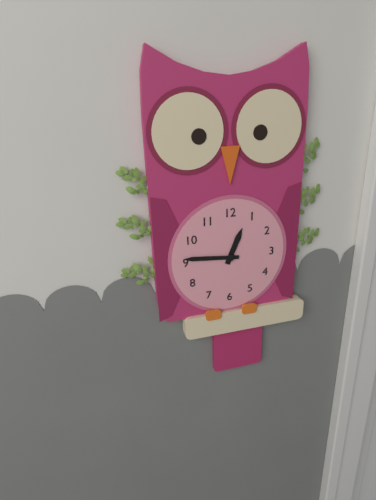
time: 12:46
